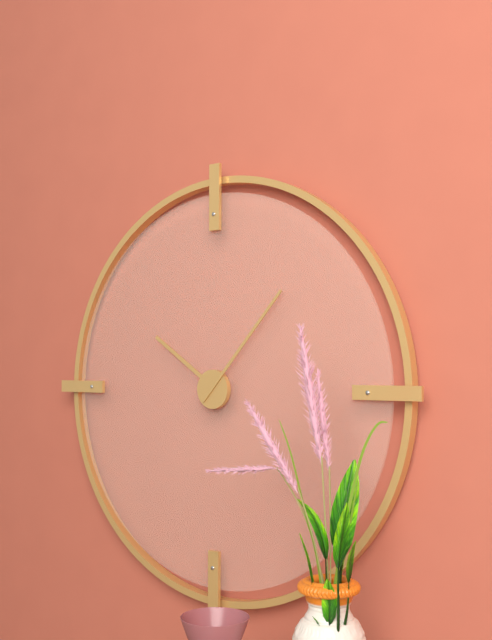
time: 10:07
